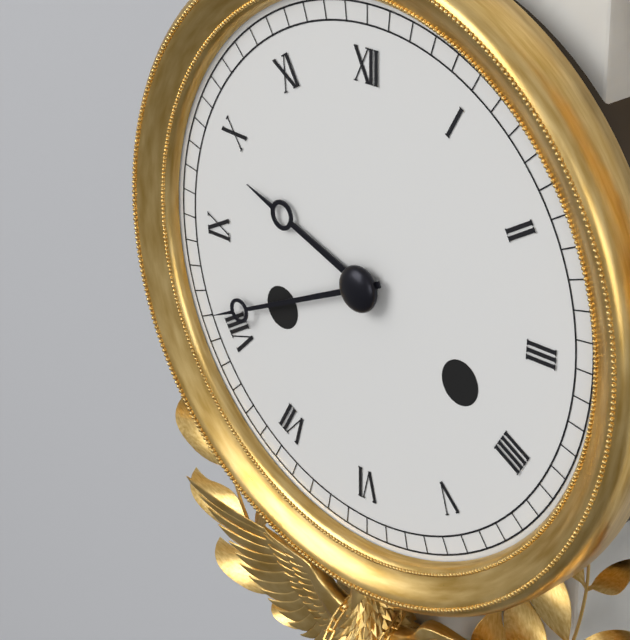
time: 9:41
